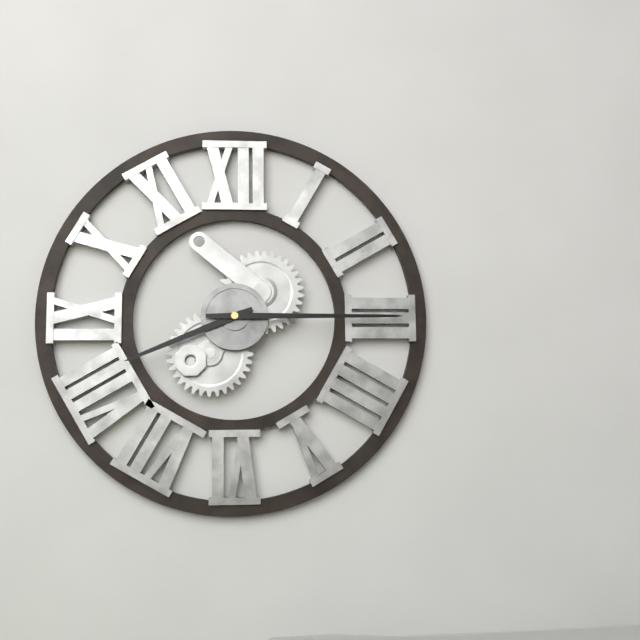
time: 8:15
